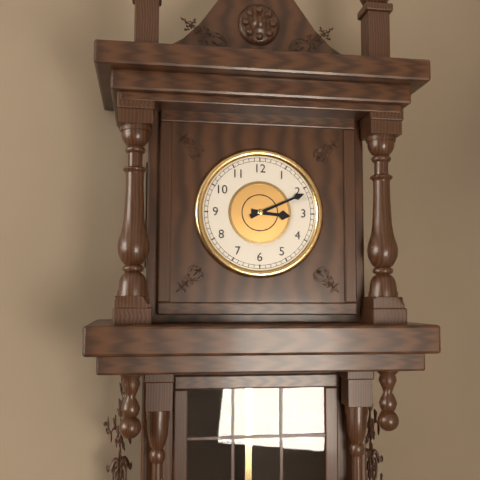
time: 3:11
